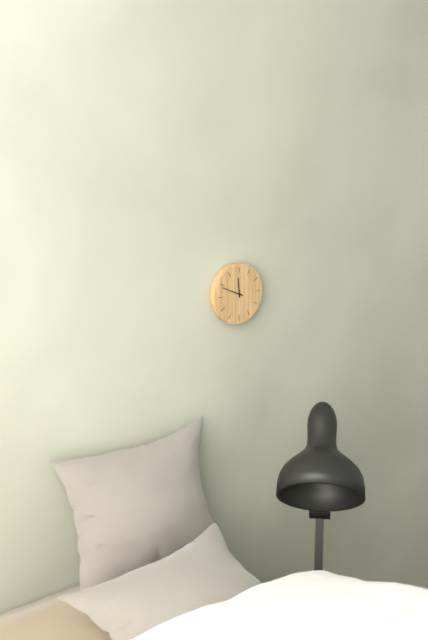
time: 11:49
